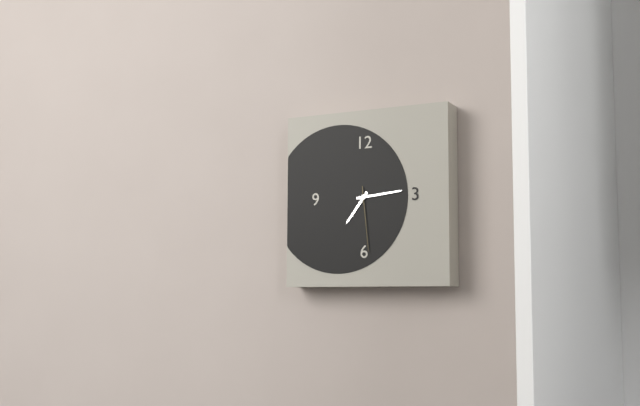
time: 7:14:29
